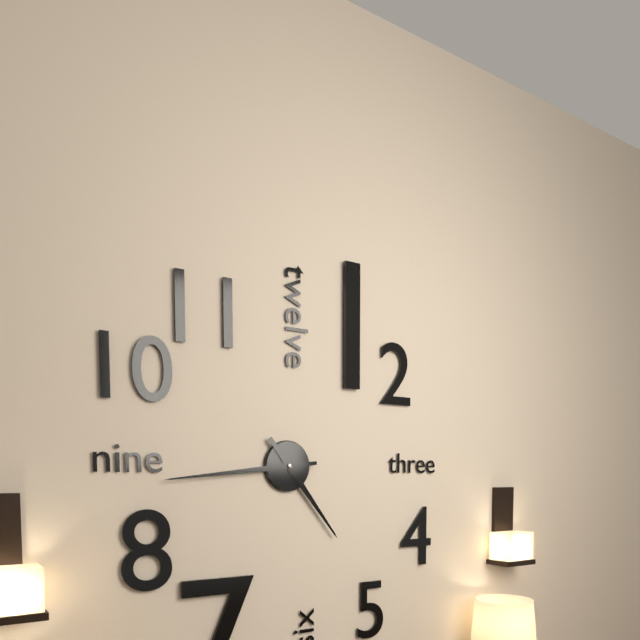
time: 4:44
